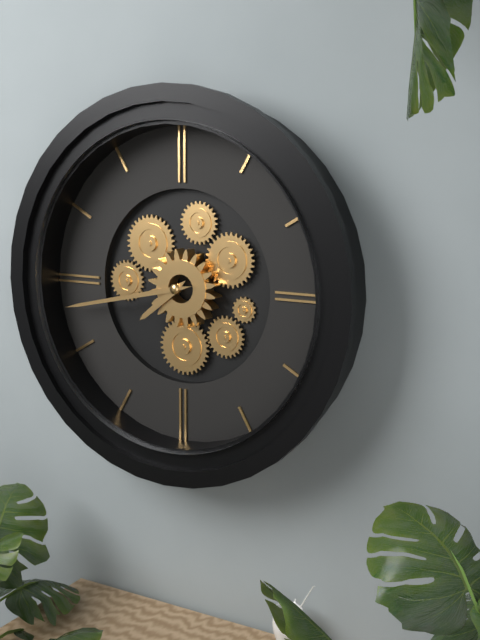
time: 7:43
